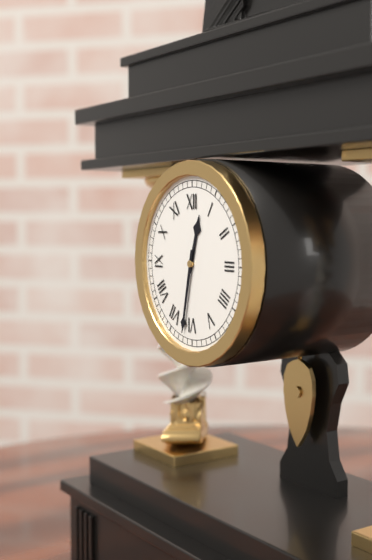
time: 12:32
